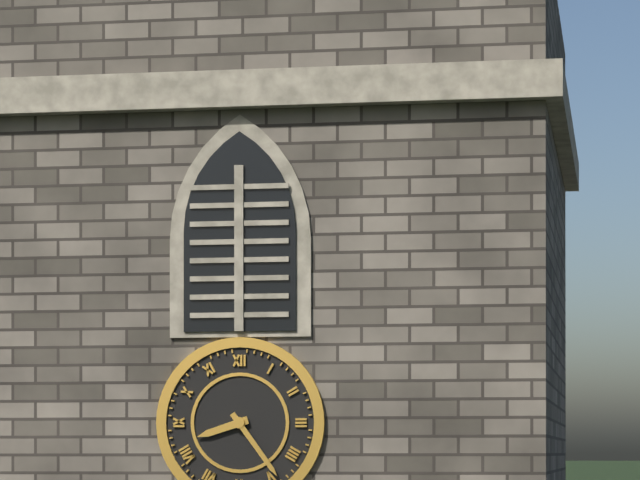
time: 8:24
